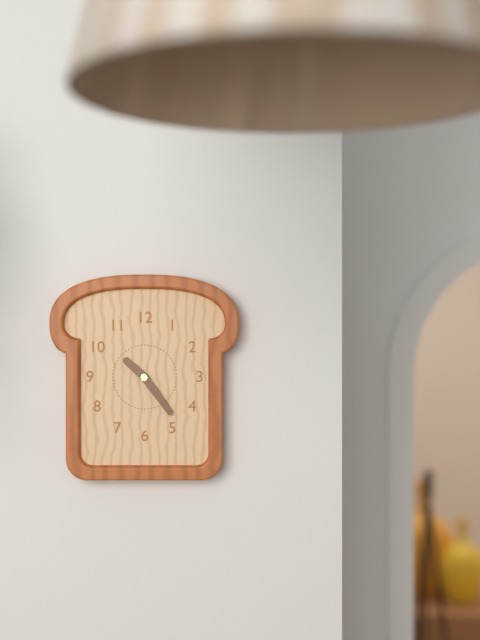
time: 10:24
